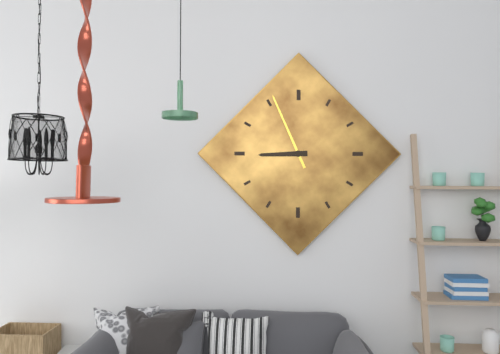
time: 8:56
